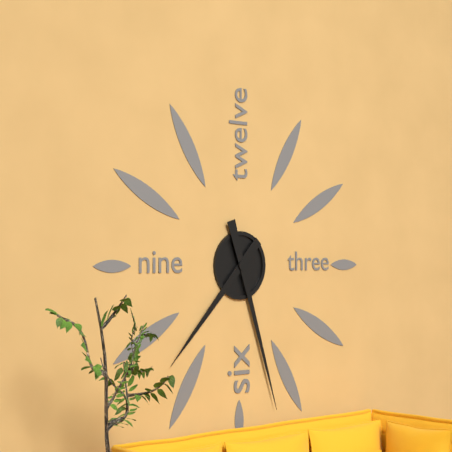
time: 7:27
